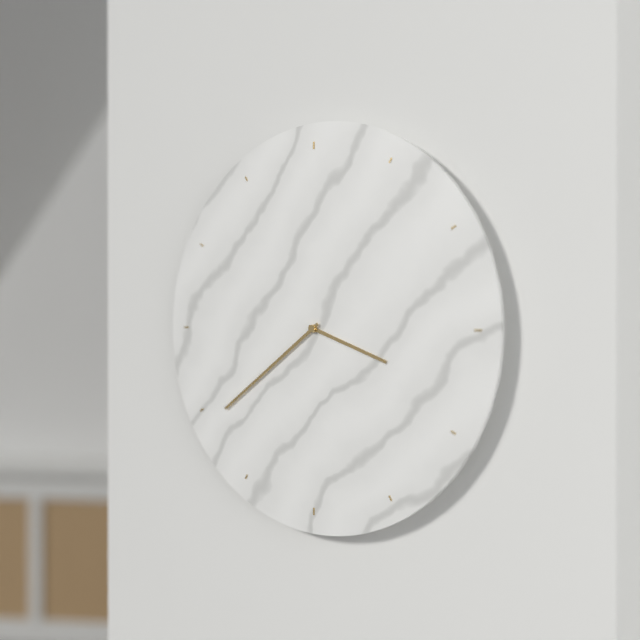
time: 3:39
